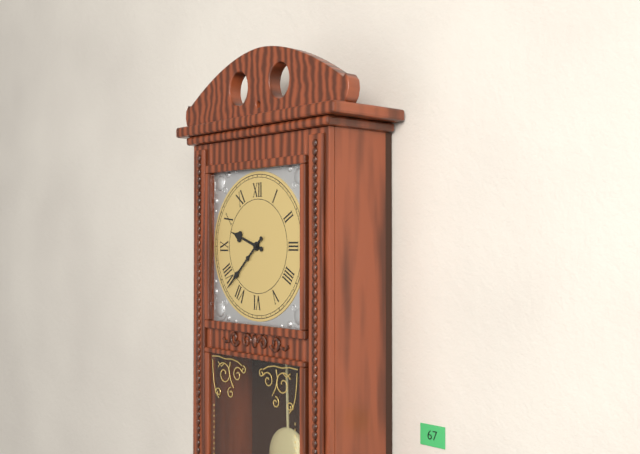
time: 9:38
